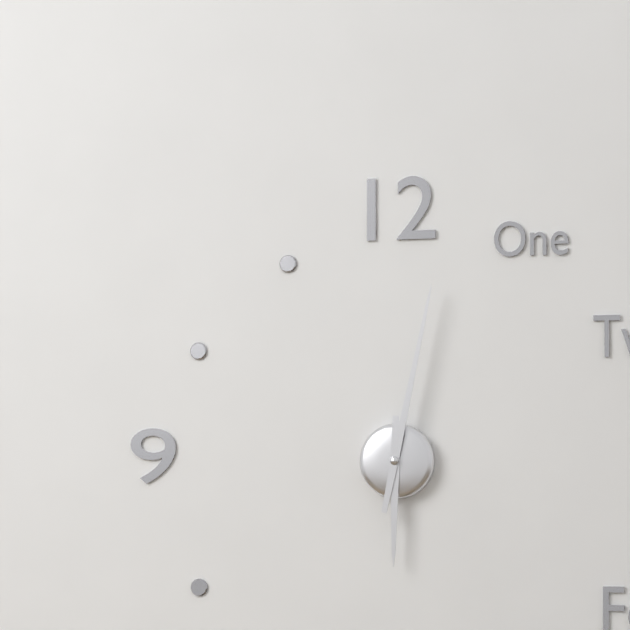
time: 6:02
